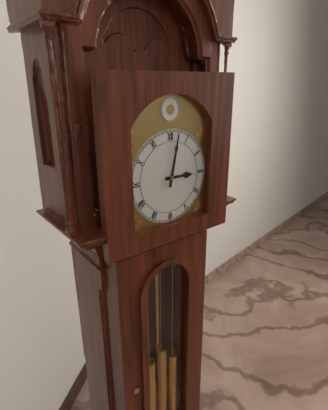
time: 3:02
